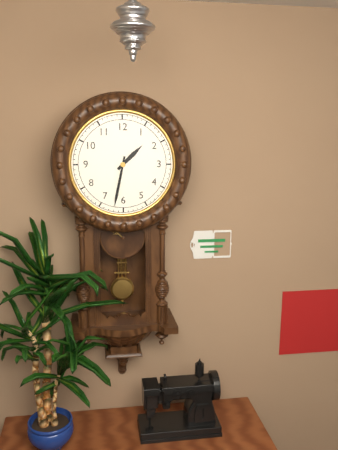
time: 1:32
